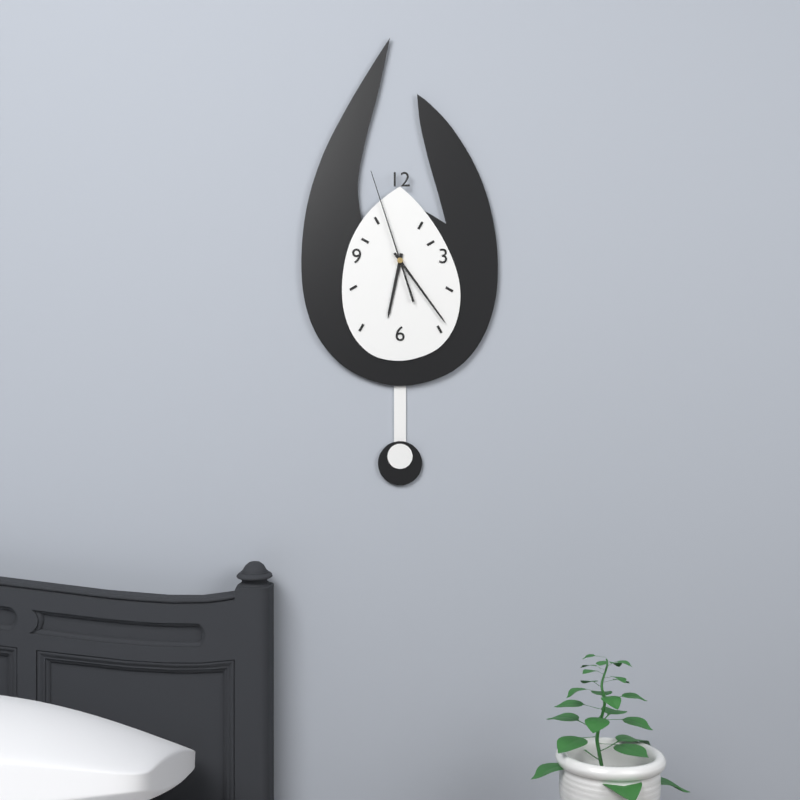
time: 6:24:57
